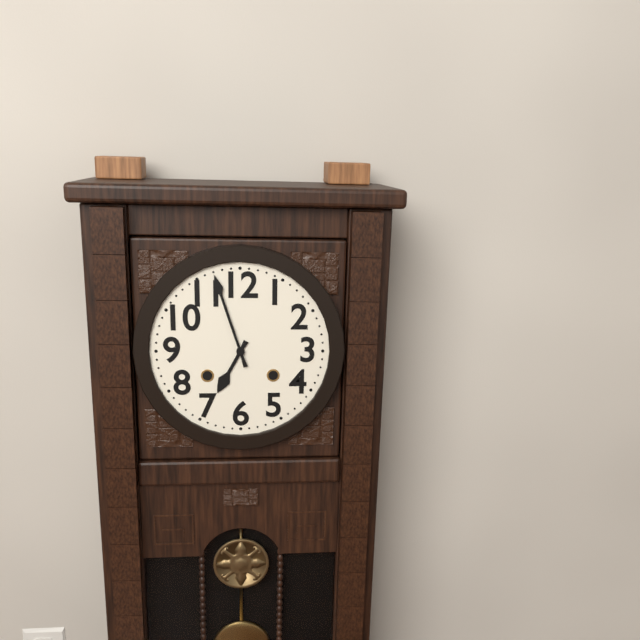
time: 6:57
